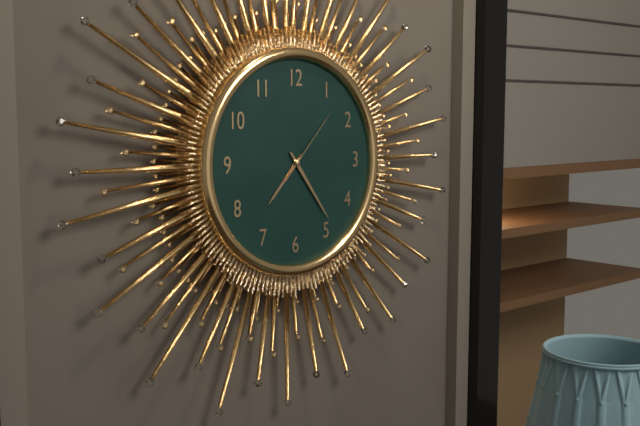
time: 7:24:07
